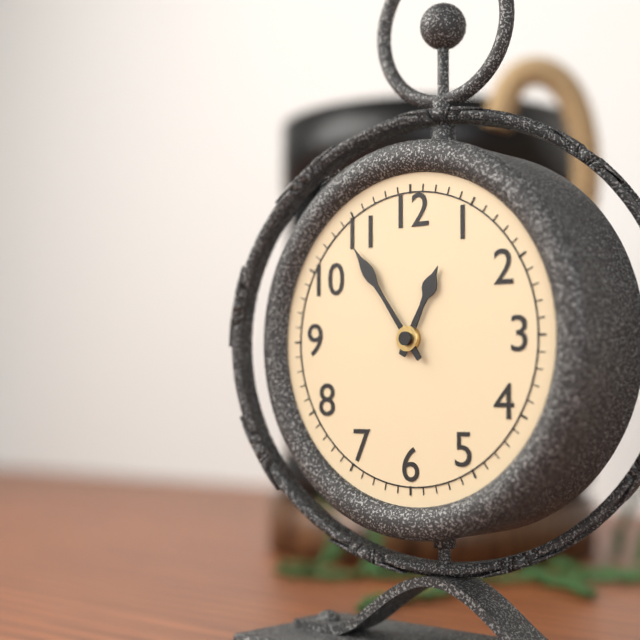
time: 12:54
